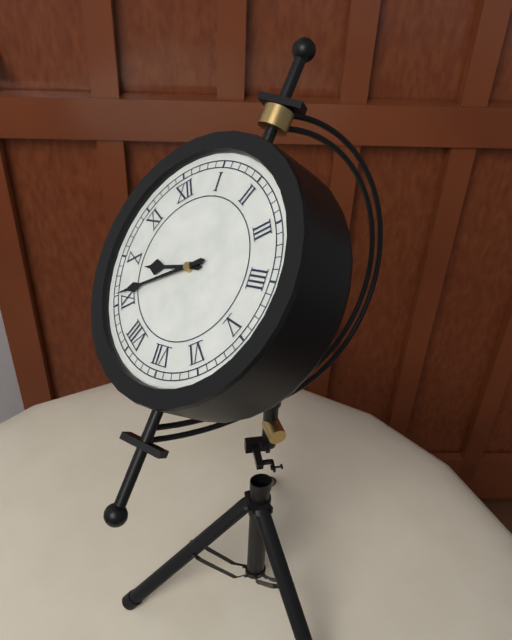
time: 9:46
